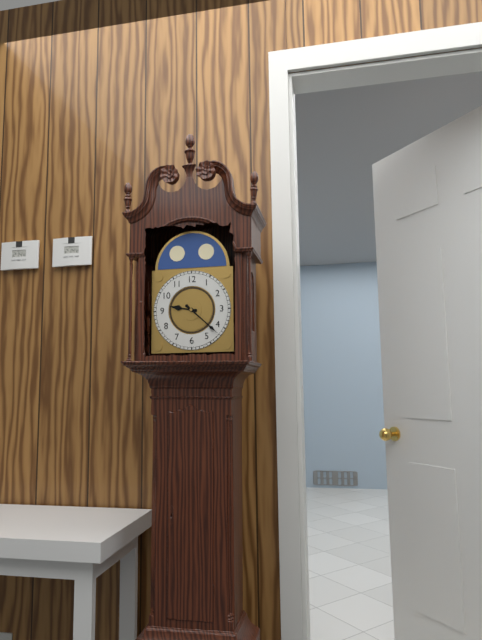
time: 9:22
